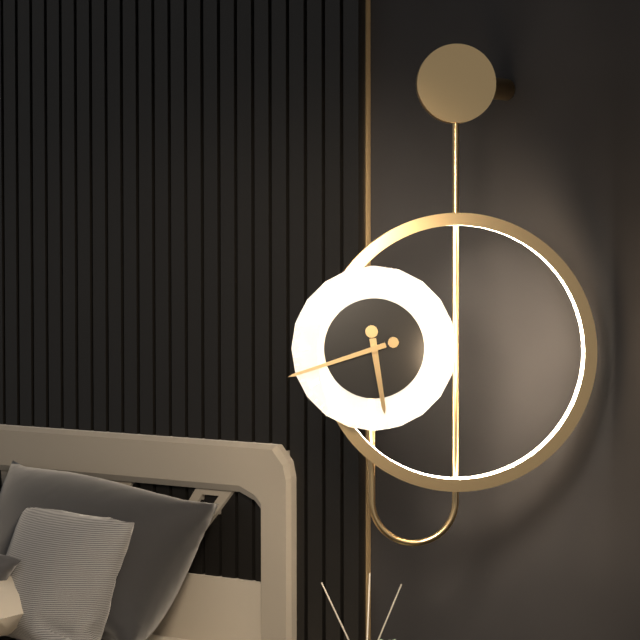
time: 5:42
